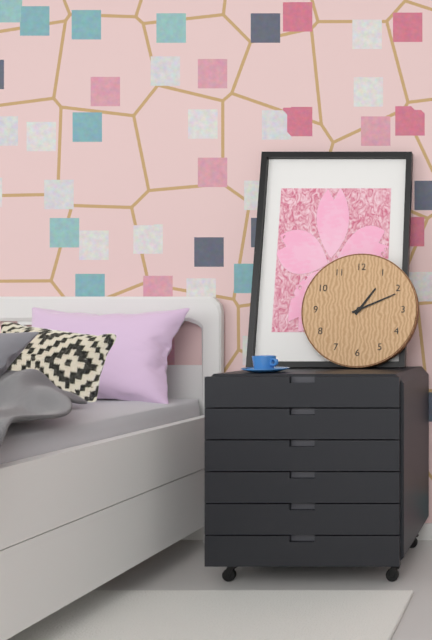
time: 1:11
